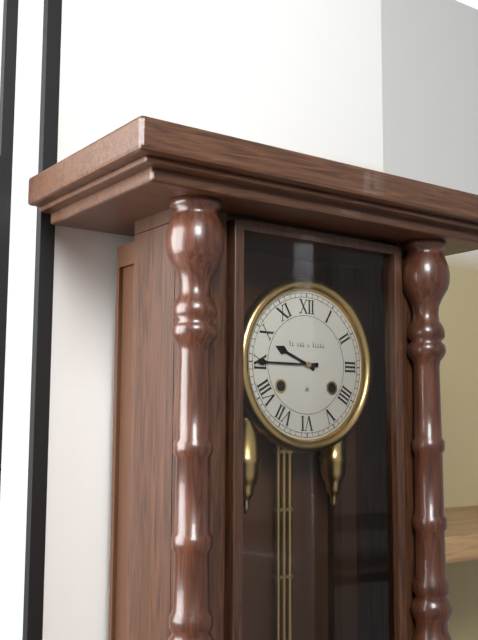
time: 9:45
